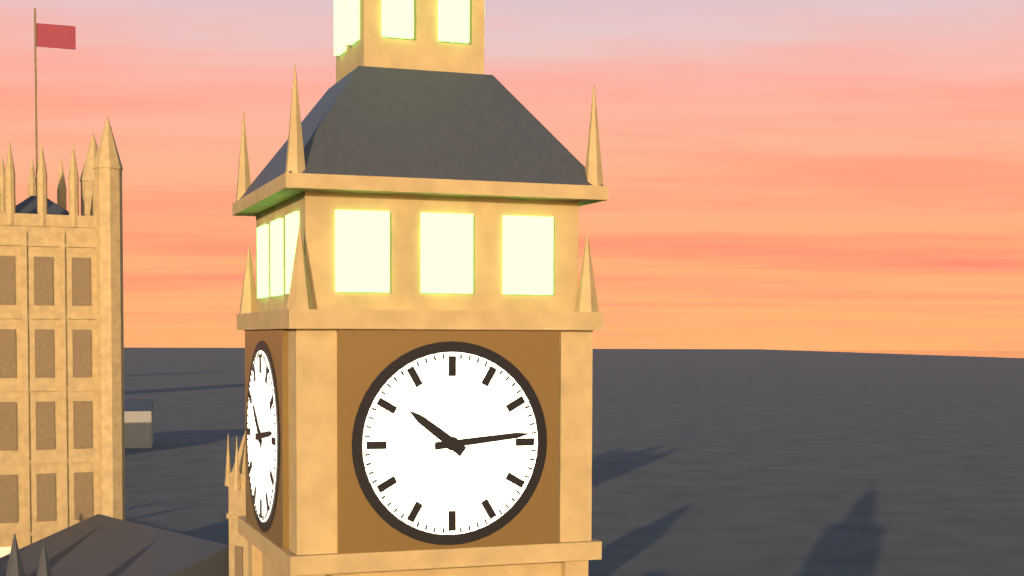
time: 10:14
